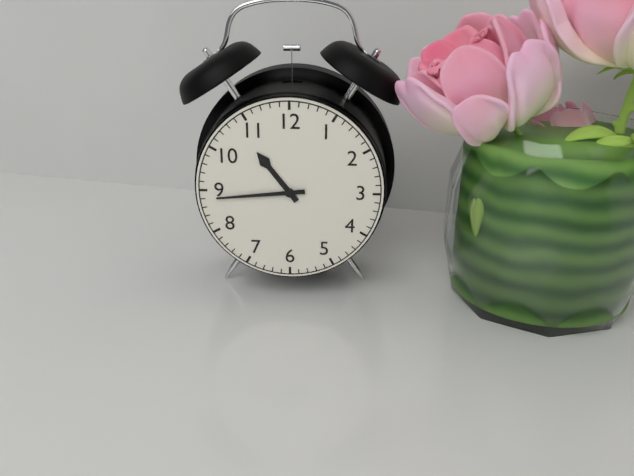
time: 10:44
